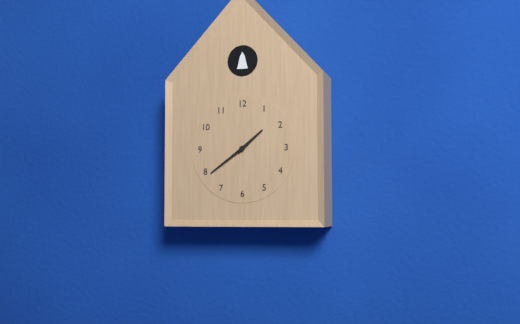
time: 1:39
